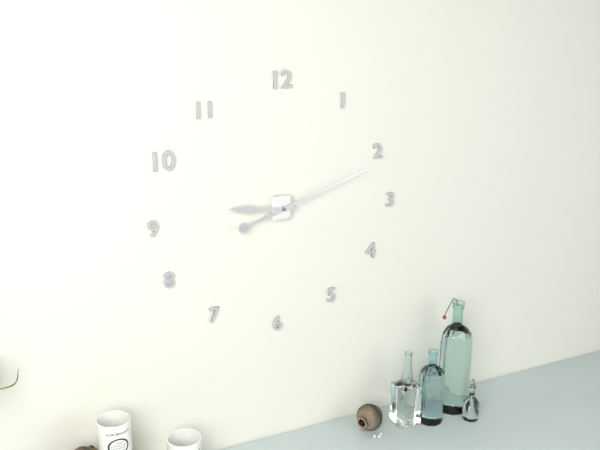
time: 9:12
